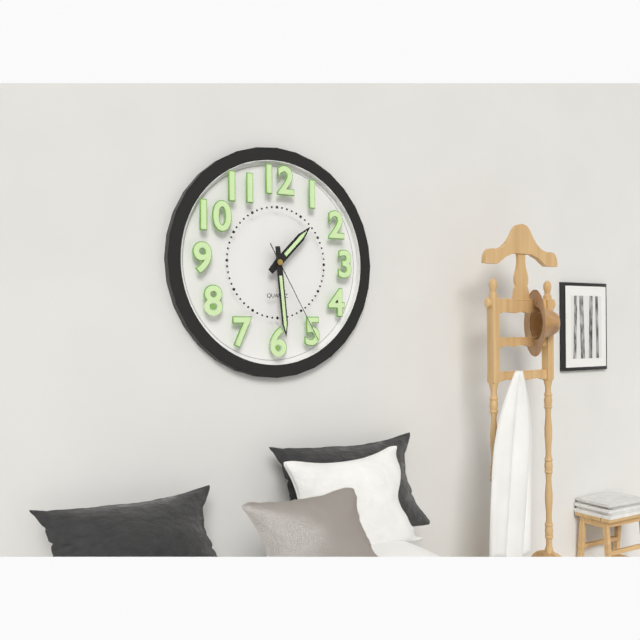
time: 1:29:25
